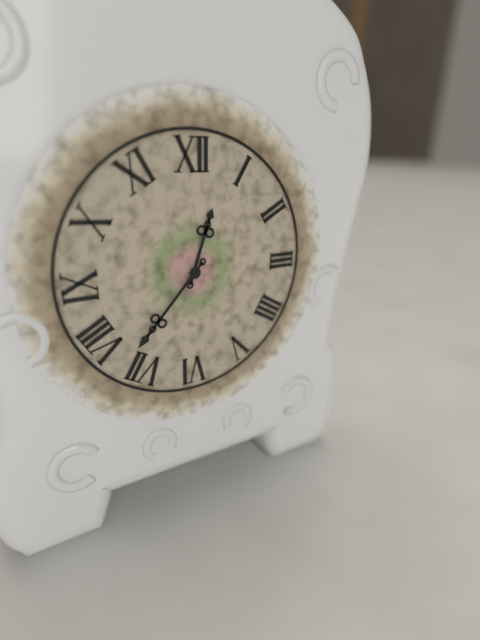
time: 12:37
